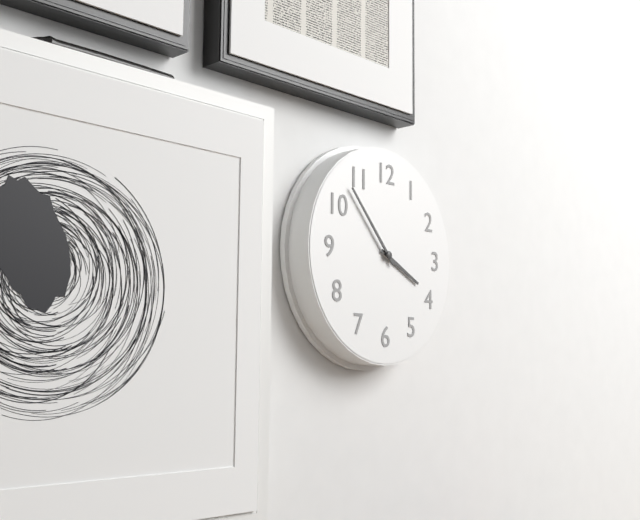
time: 3:53
